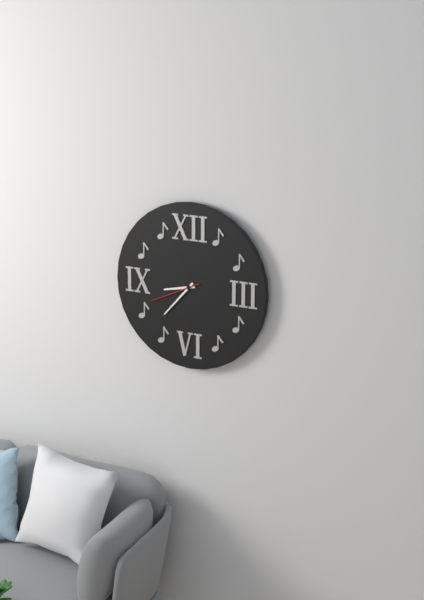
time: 8:37:41
